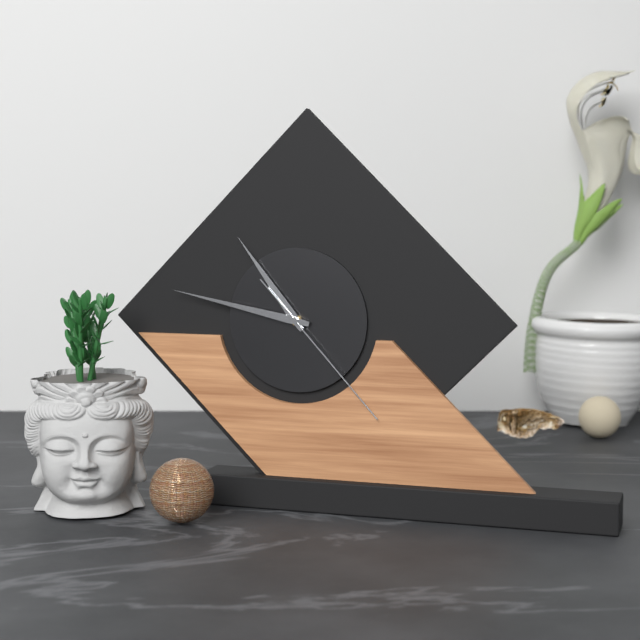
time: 10:47:23
